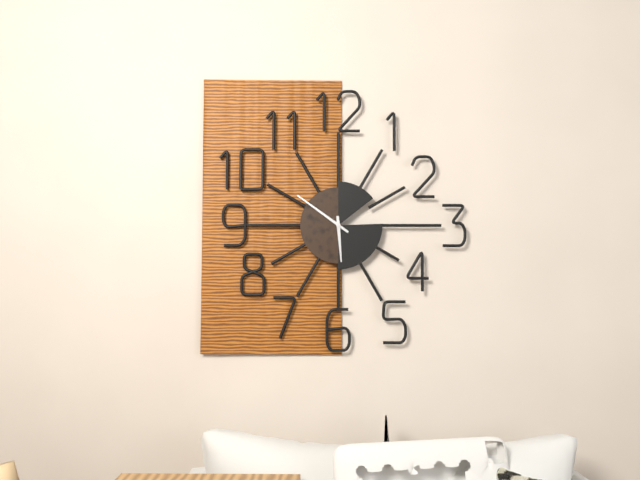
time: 5:51
